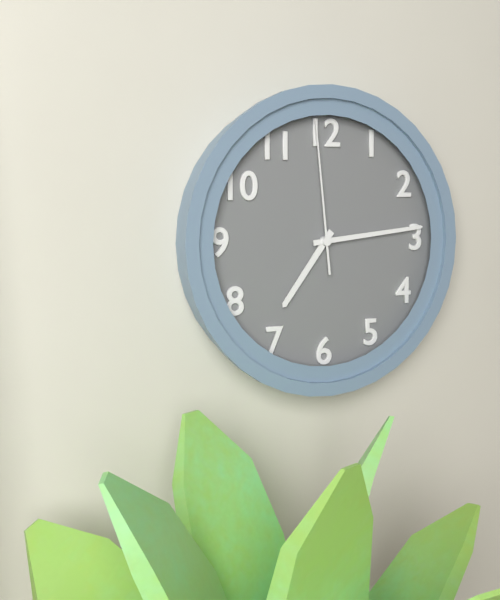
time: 7:14:59
